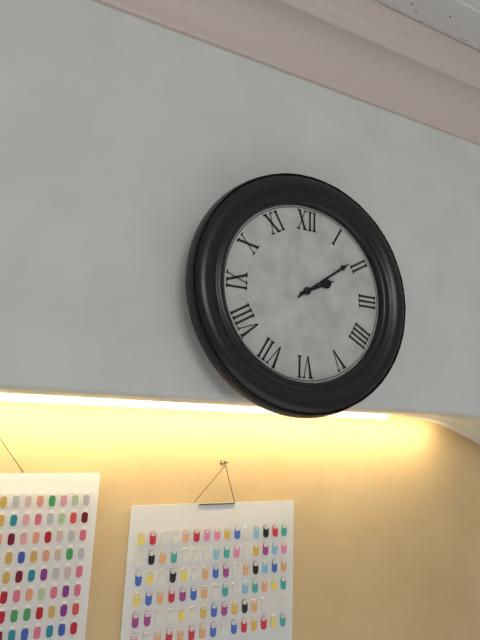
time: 2:09
